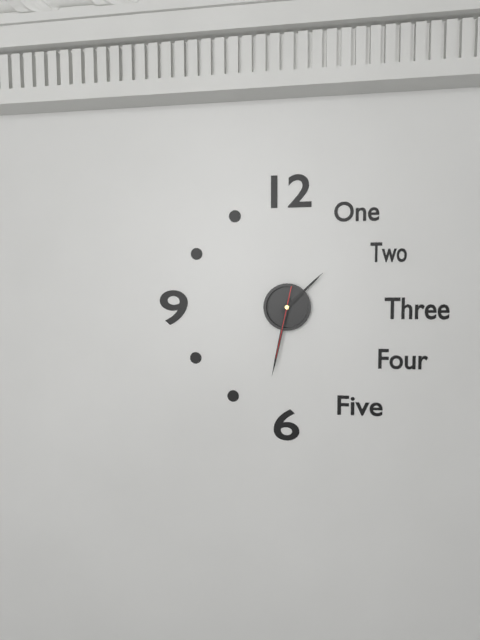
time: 1:32:32
